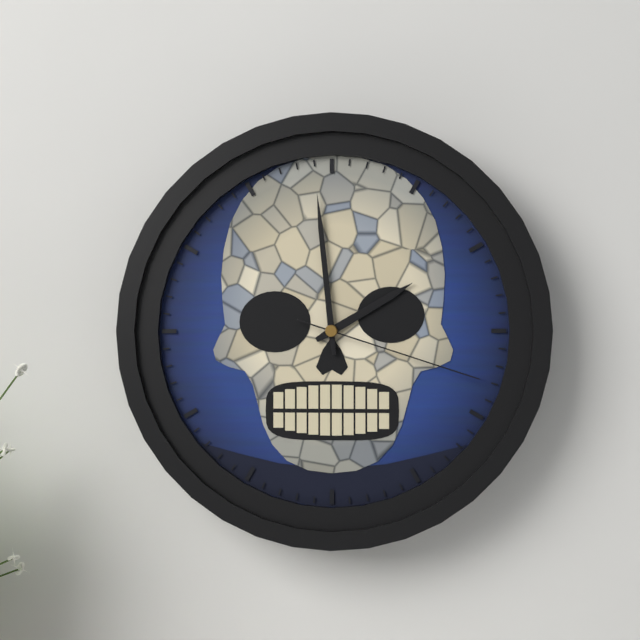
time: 1:59:18
